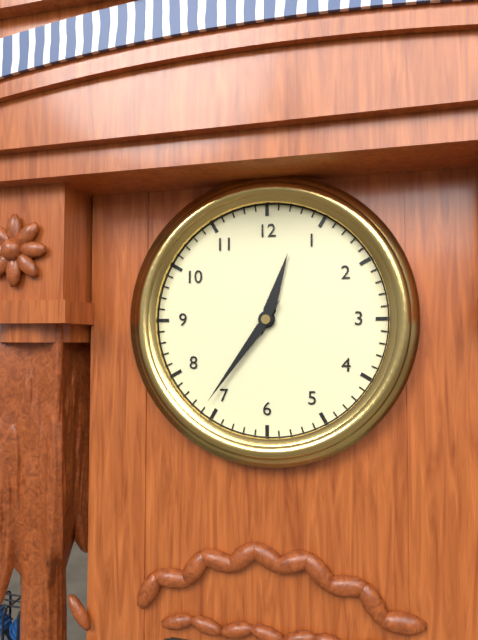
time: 12:36
